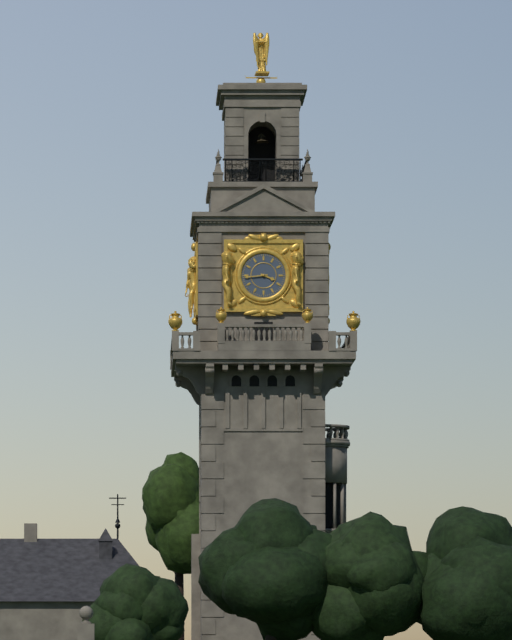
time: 3:44
